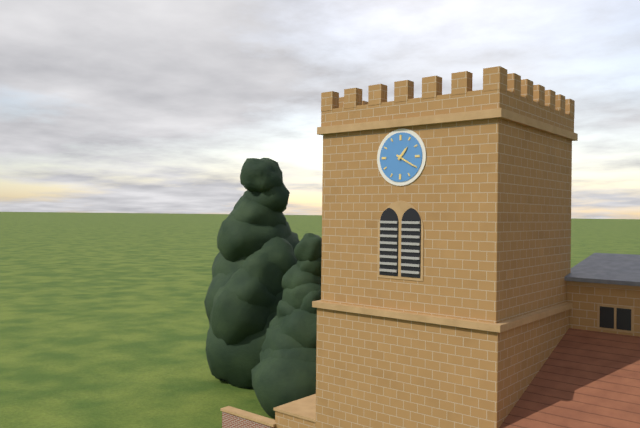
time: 1:20
